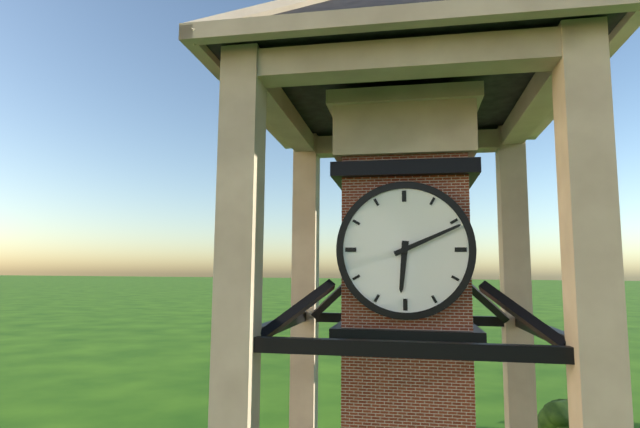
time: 6:11
